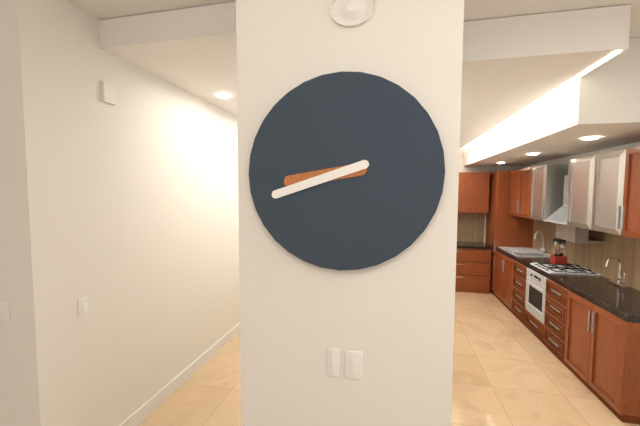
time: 8:42
